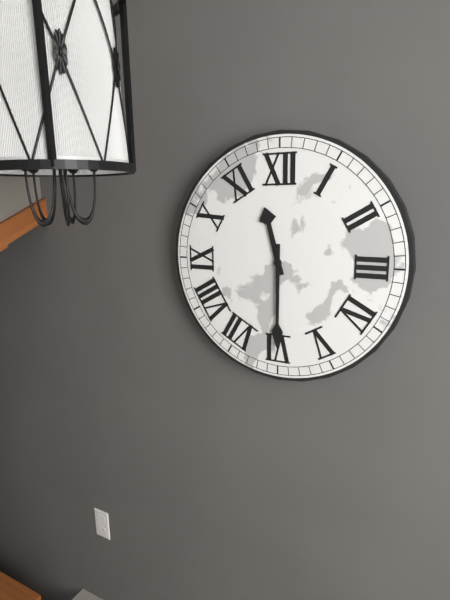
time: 11:30
